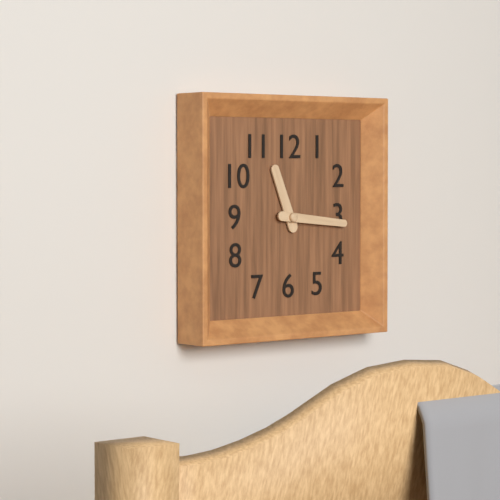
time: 11:16
